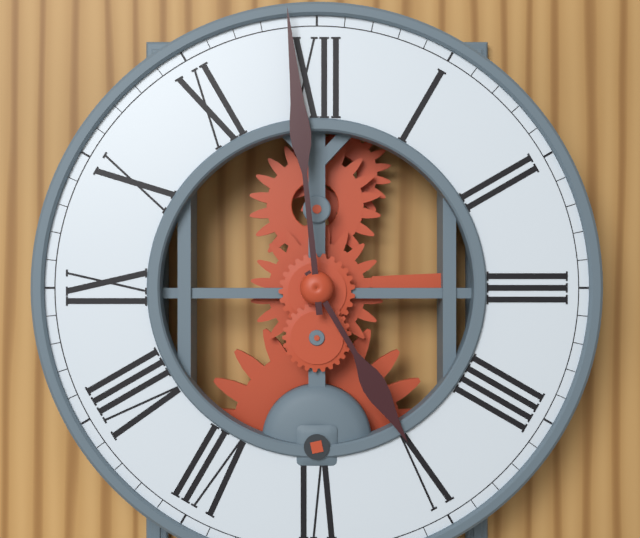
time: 4:59
